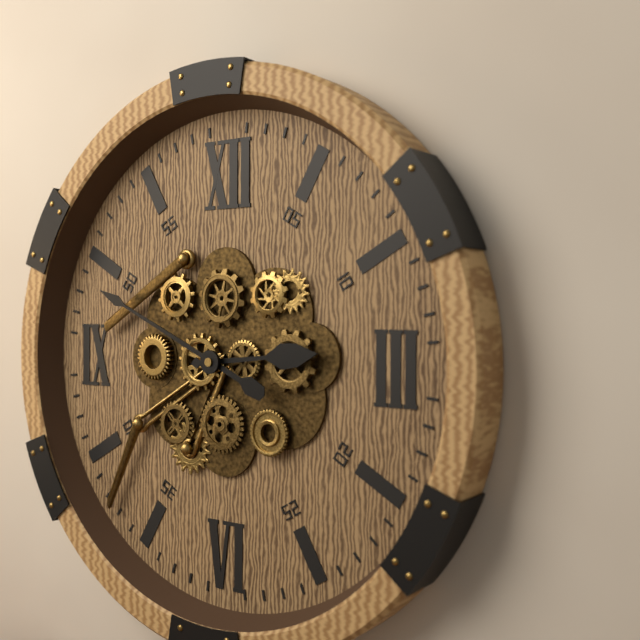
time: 2:49
